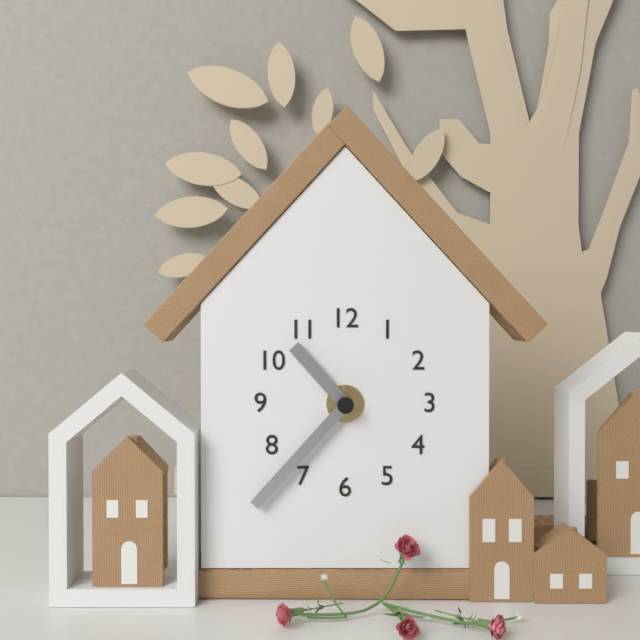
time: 10:37
